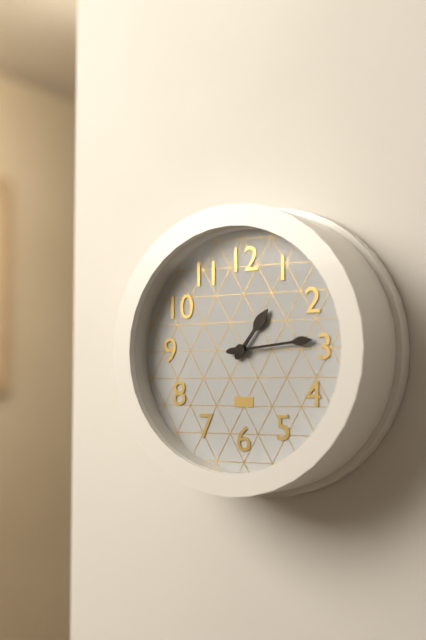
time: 1:14
